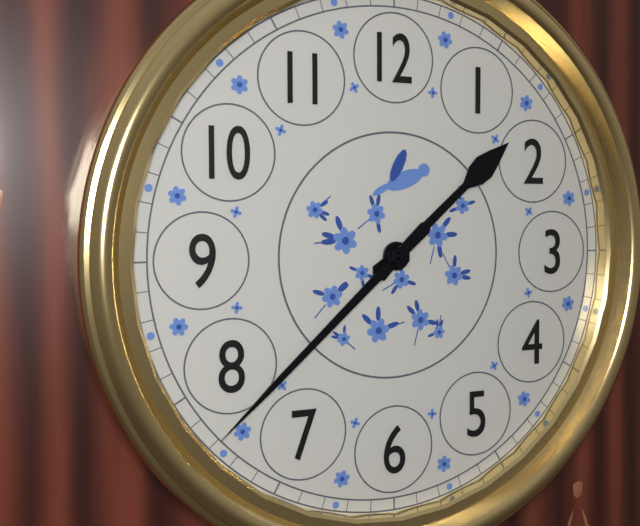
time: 1:38
